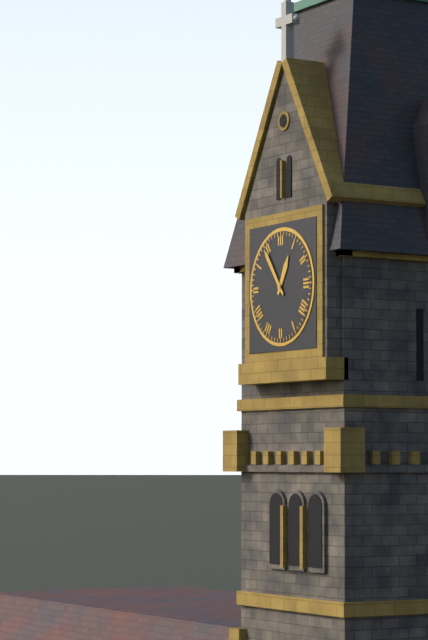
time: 12:54
